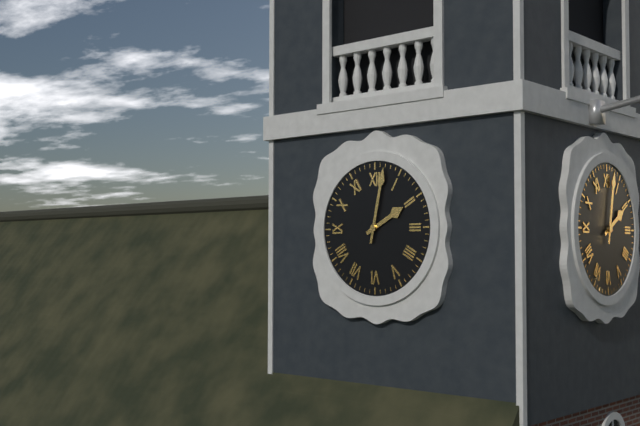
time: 2:02
